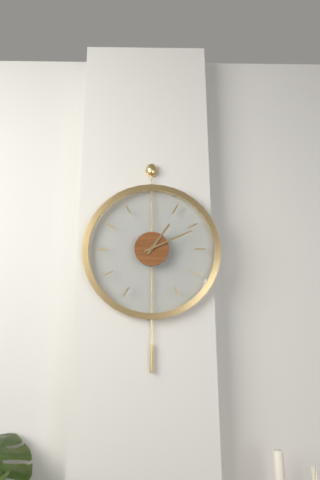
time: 1:11
